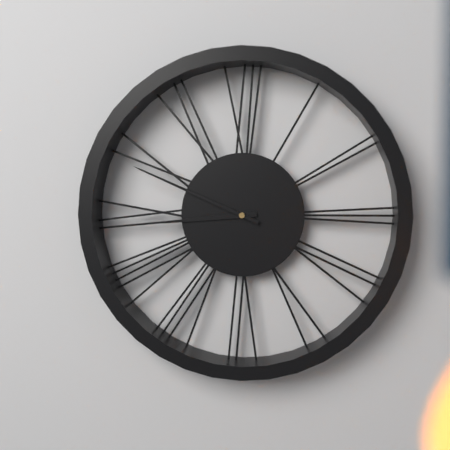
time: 8:49
